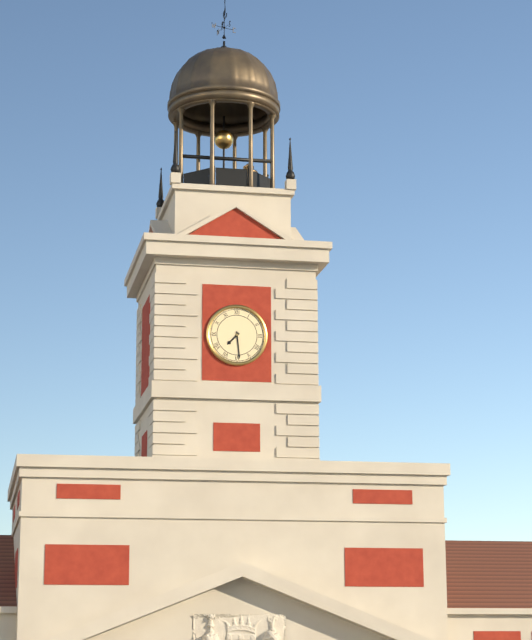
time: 7:29
